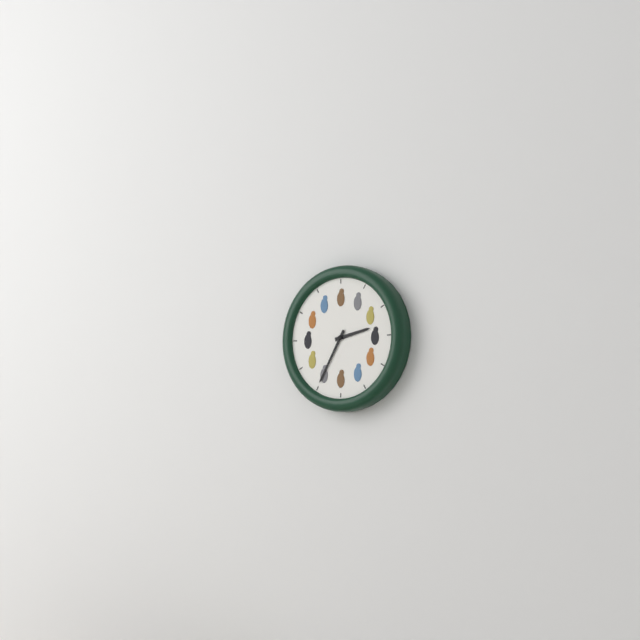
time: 2:35
